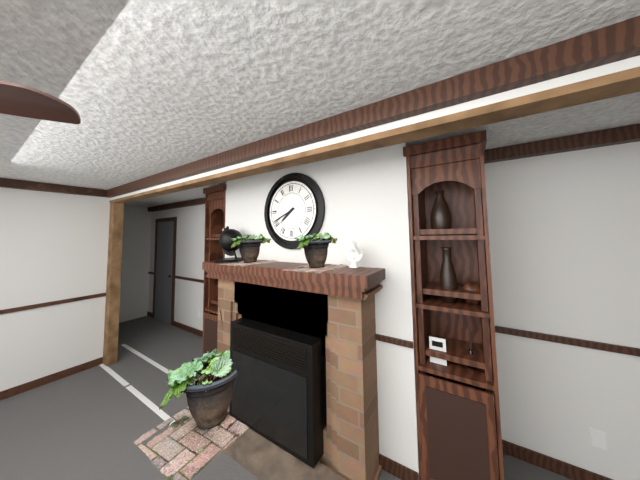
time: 7:41
